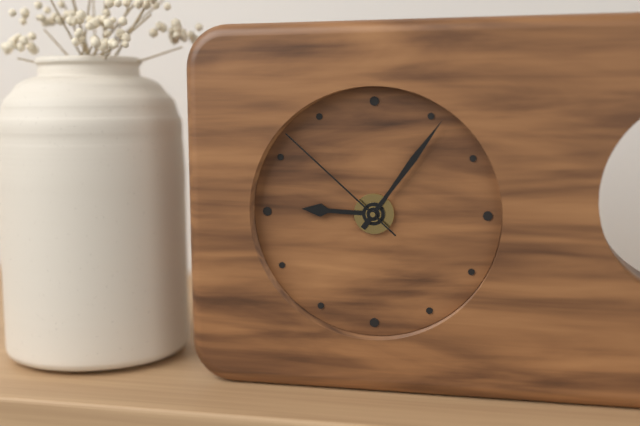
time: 9:06:52
